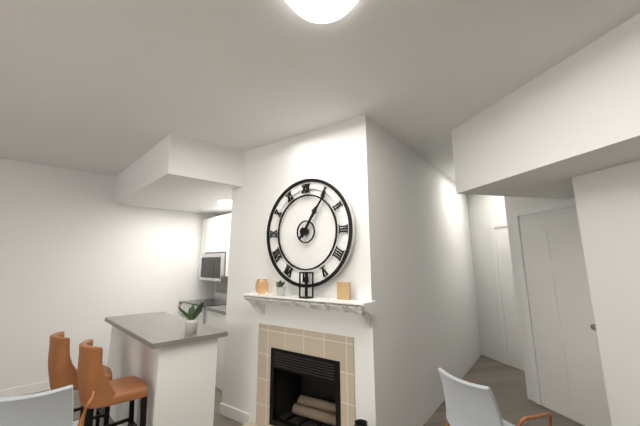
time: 1:06
